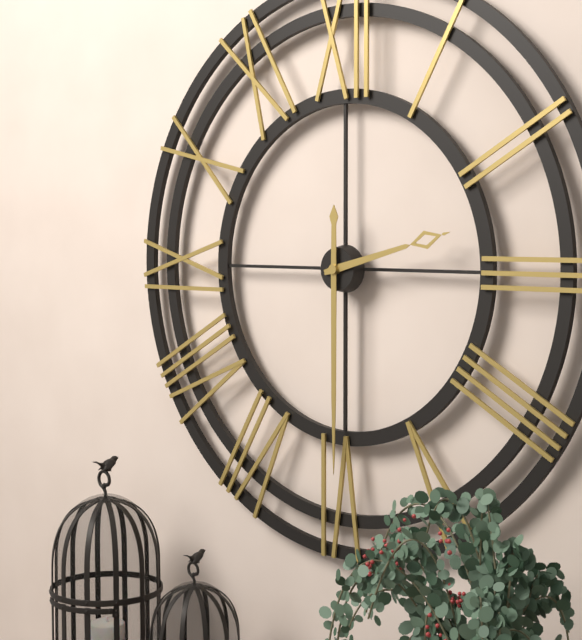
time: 2:30
